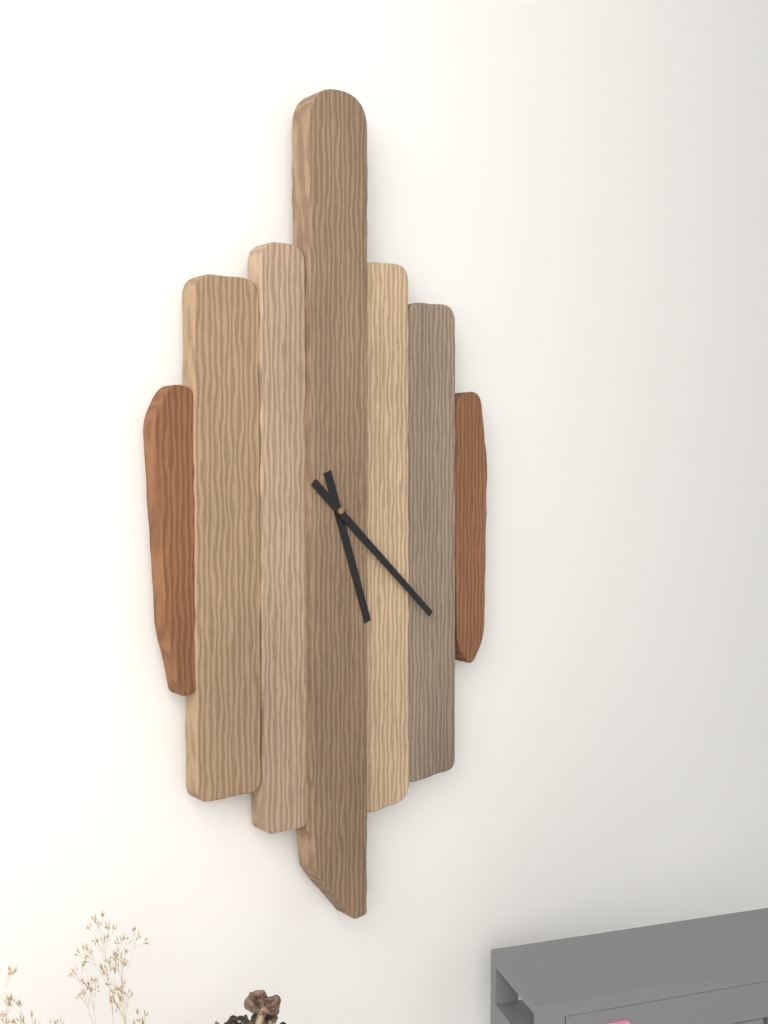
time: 5:22
